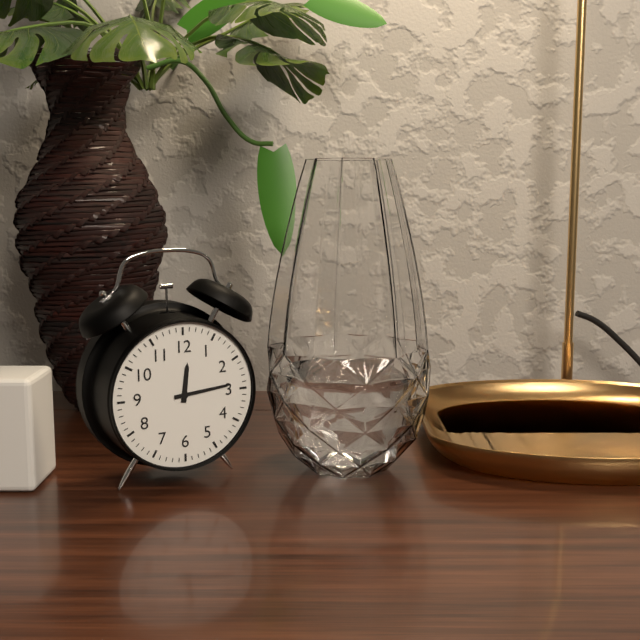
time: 12:14
